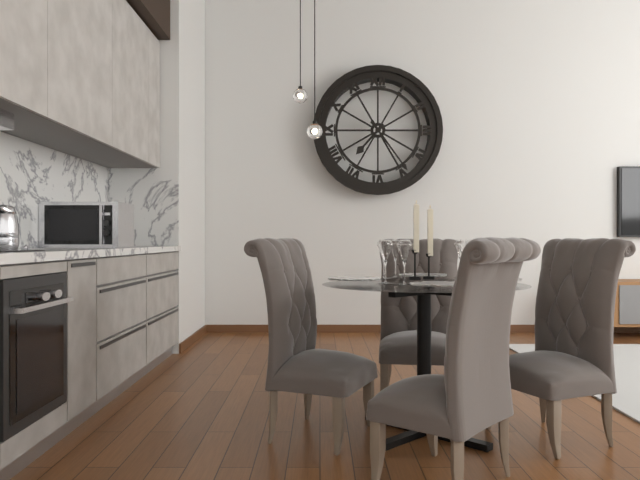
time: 7:24
